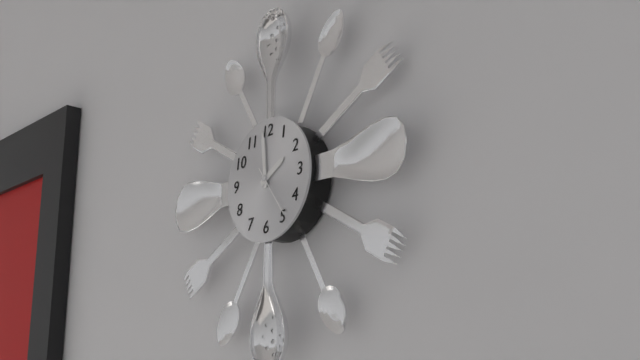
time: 1:59
